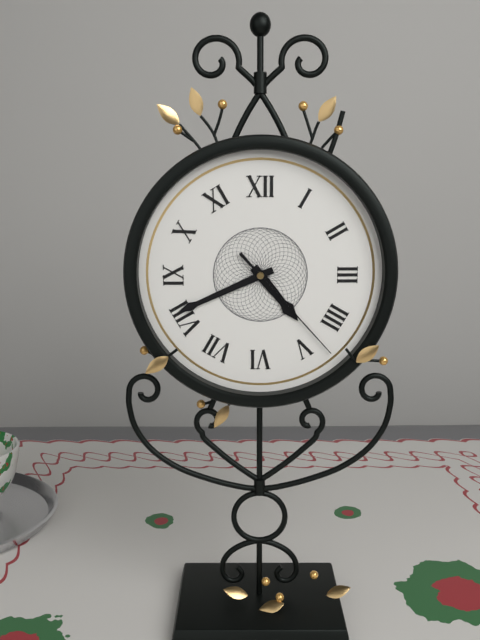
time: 4:41:23
